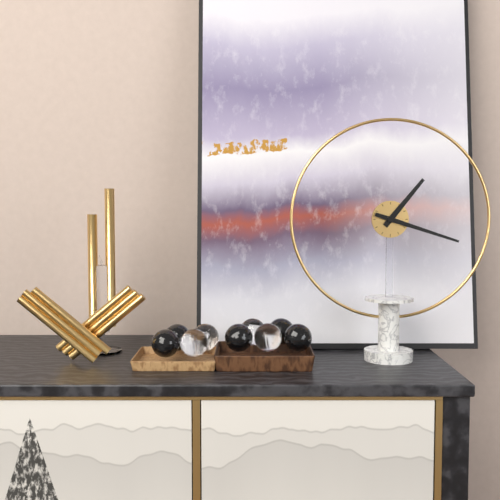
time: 1:18
